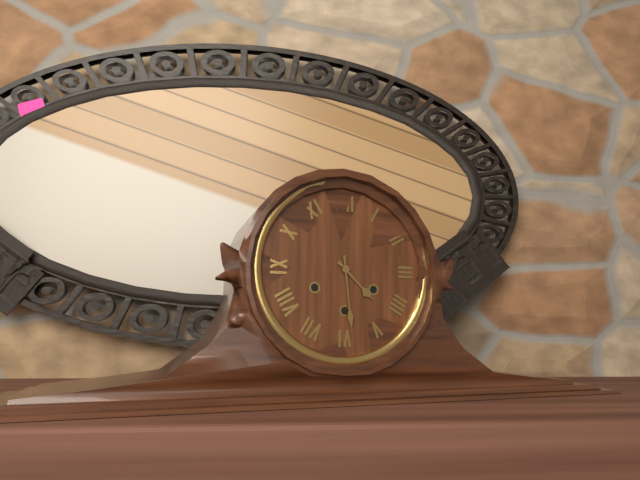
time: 4:29
